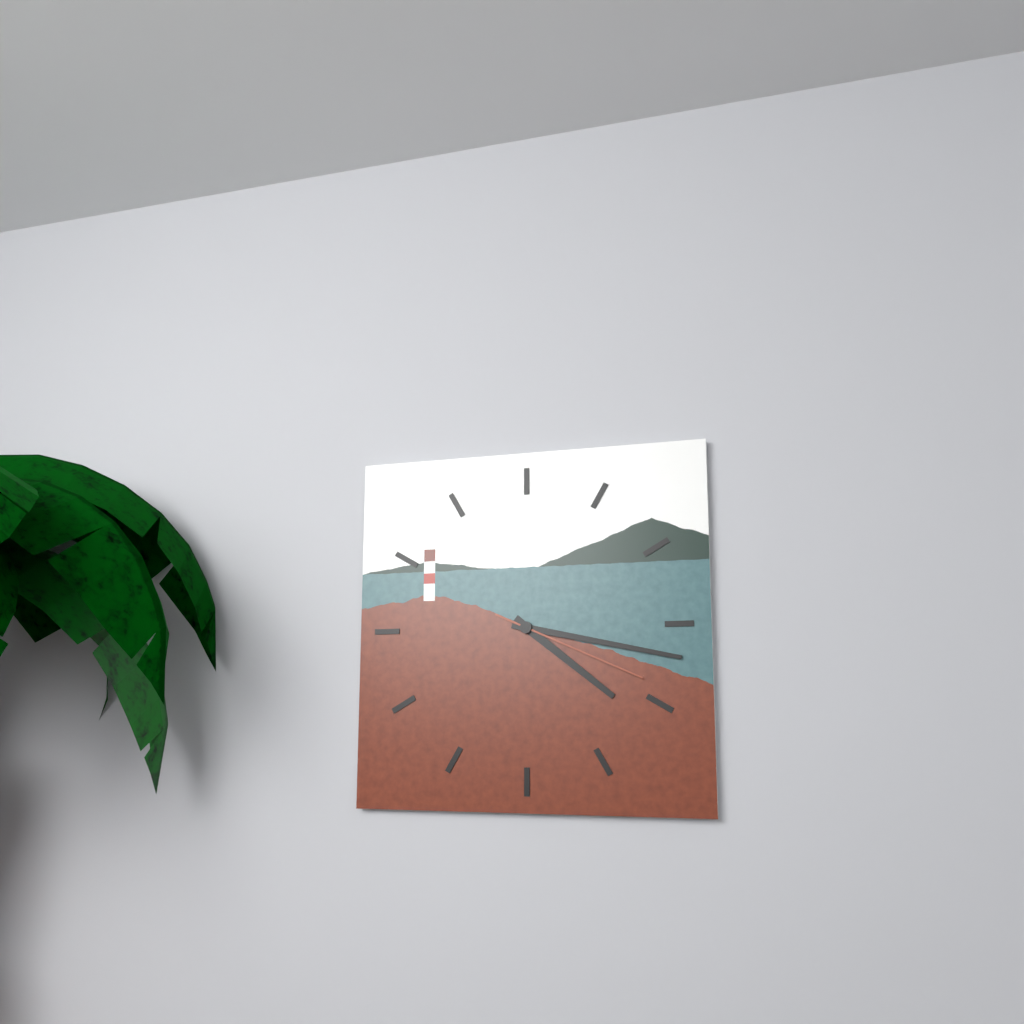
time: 4:17:19
